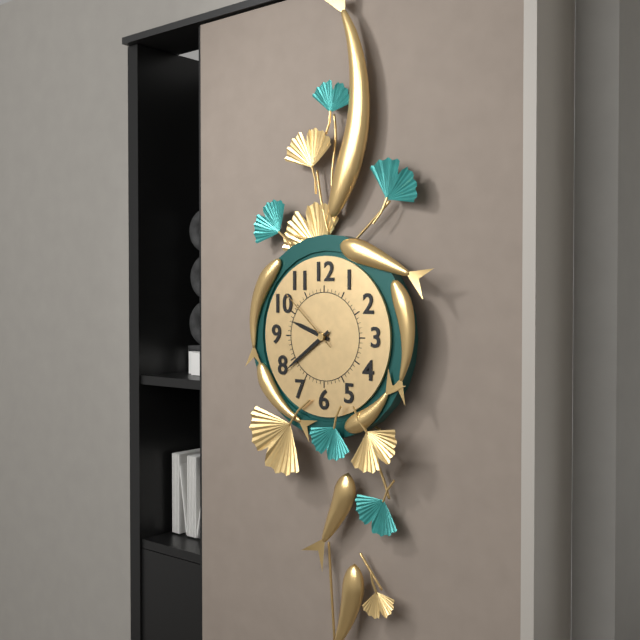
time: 9:39:52
